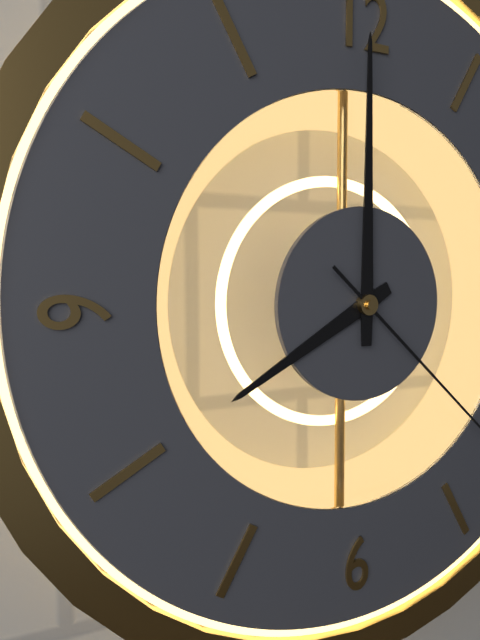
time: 8:00
